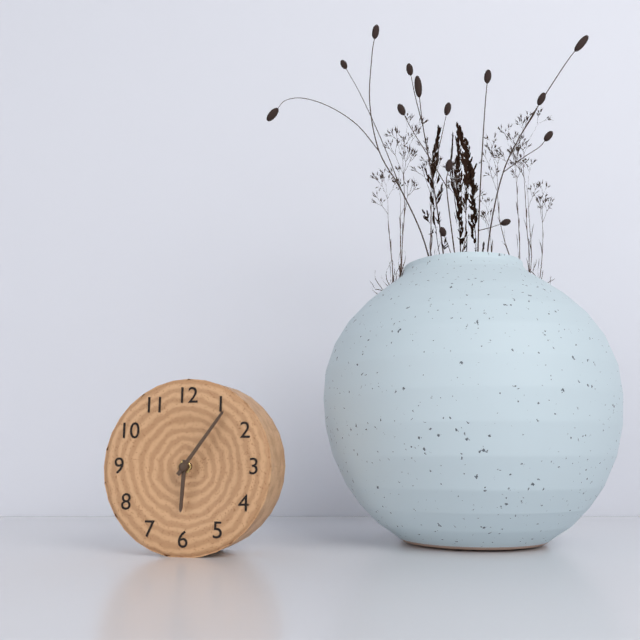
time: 6:06
